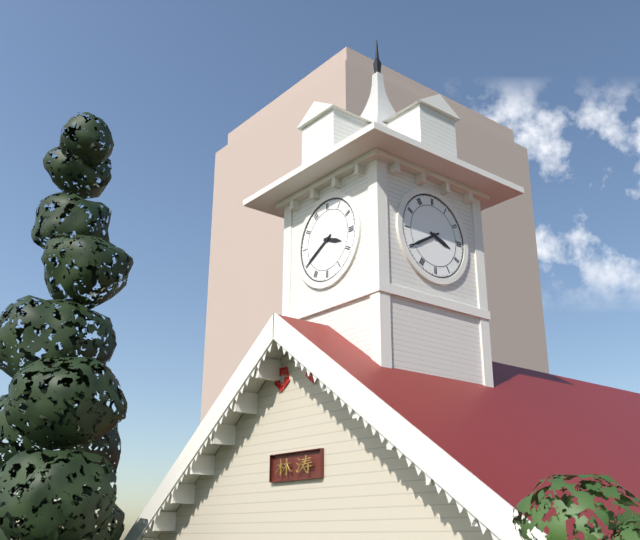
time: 3:40
